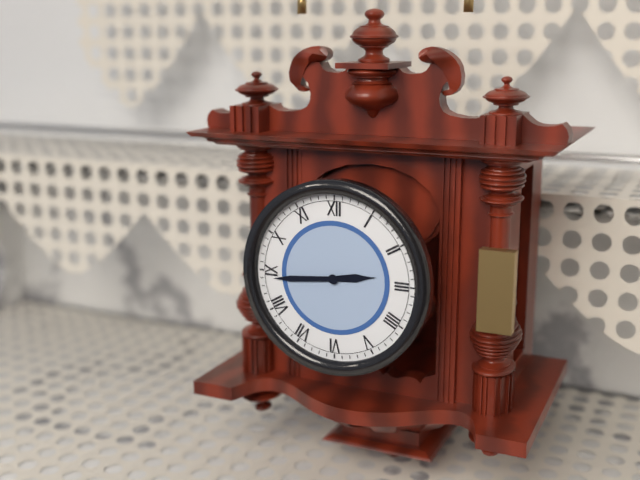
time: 2:44
